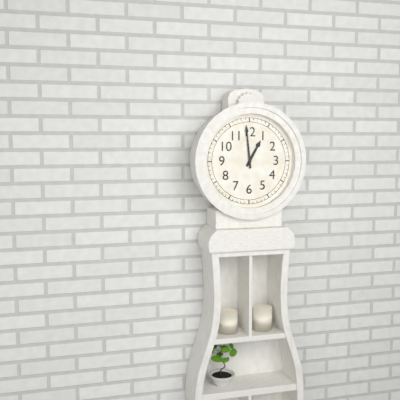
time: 12:59
